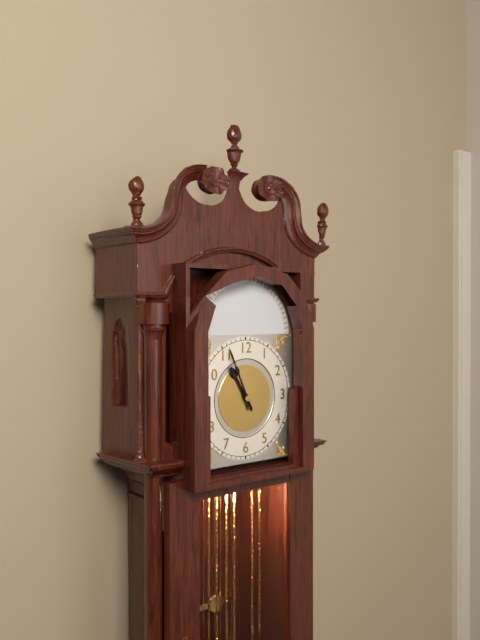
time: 10:56
